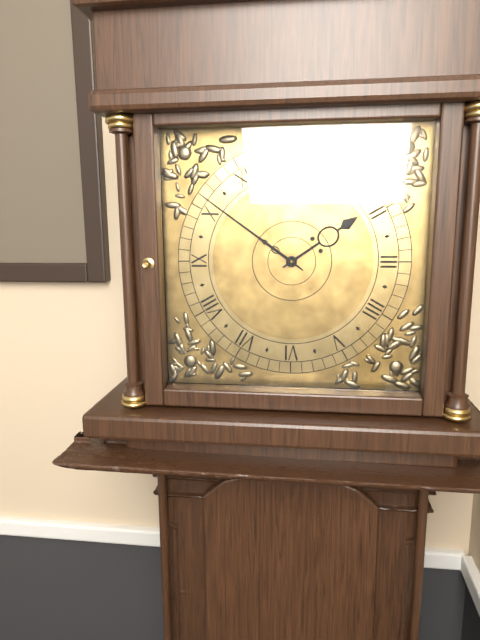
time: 1:51
